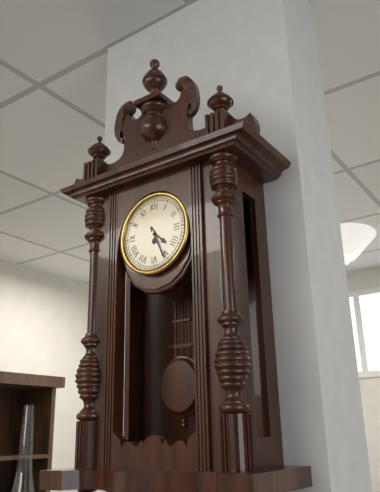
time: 4:26
